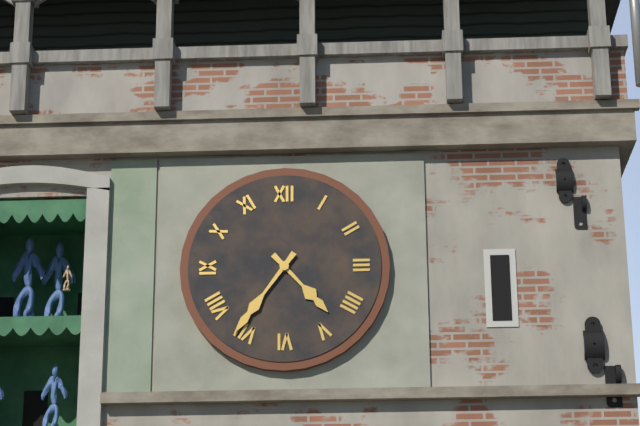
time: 4:36
